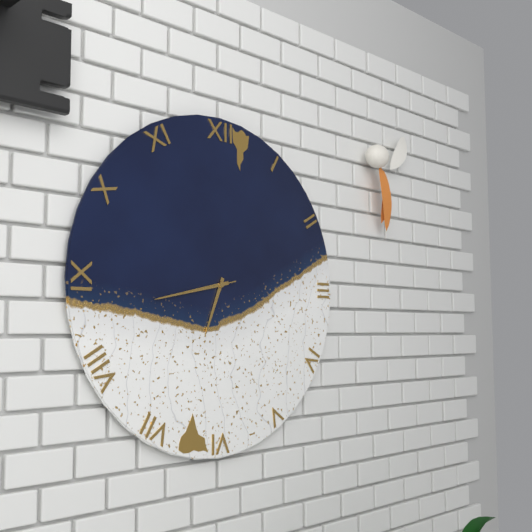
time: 6:43
